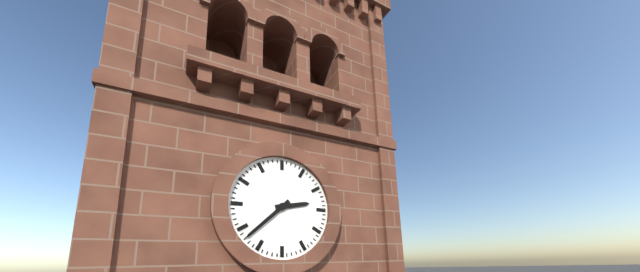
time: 2:38
